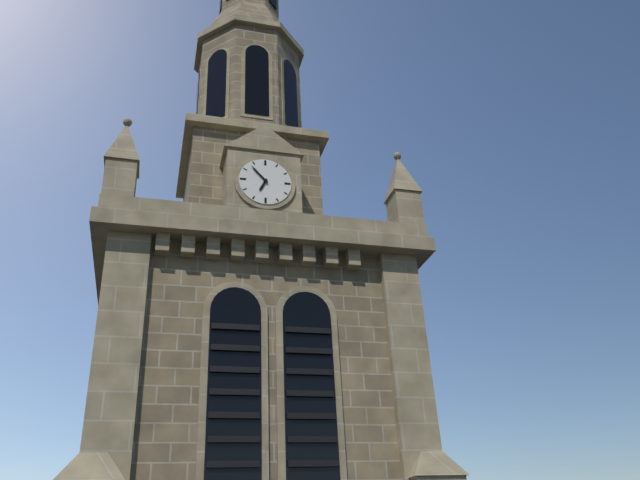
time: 6:53
